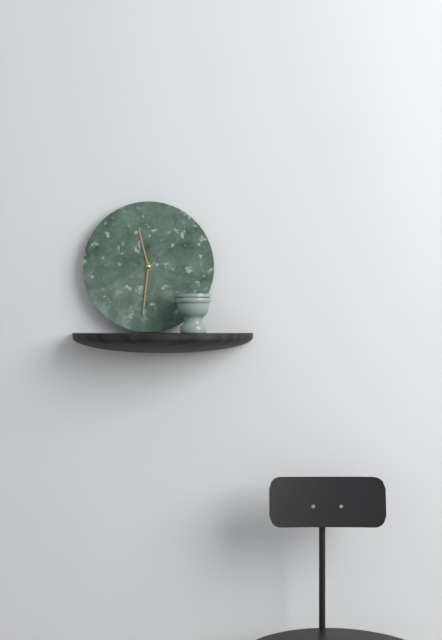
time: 11:31
